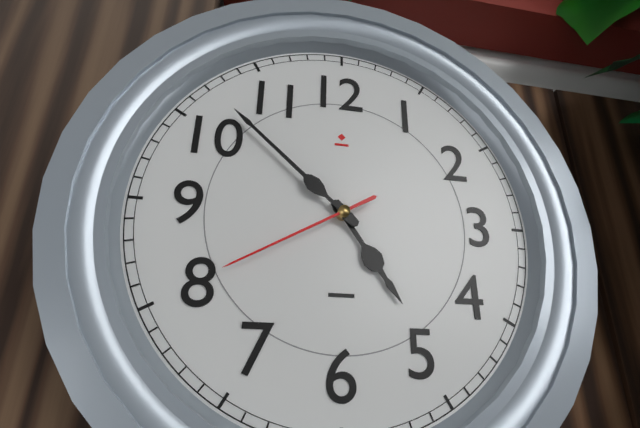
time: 4:52:40
